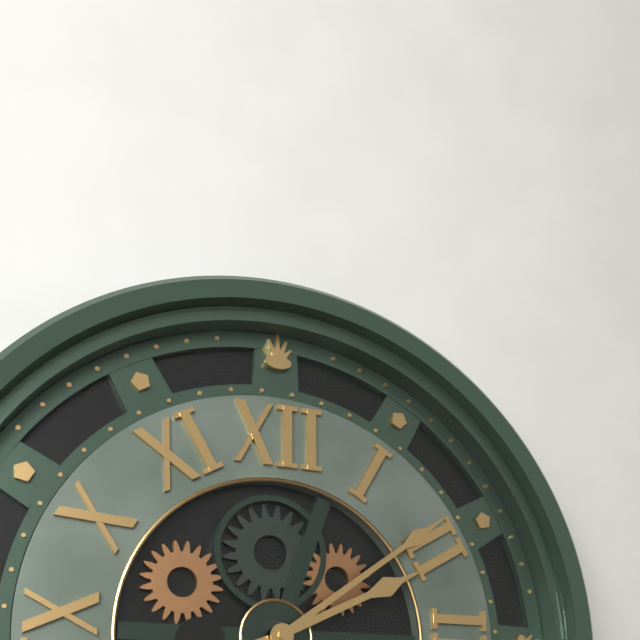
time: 2:09
